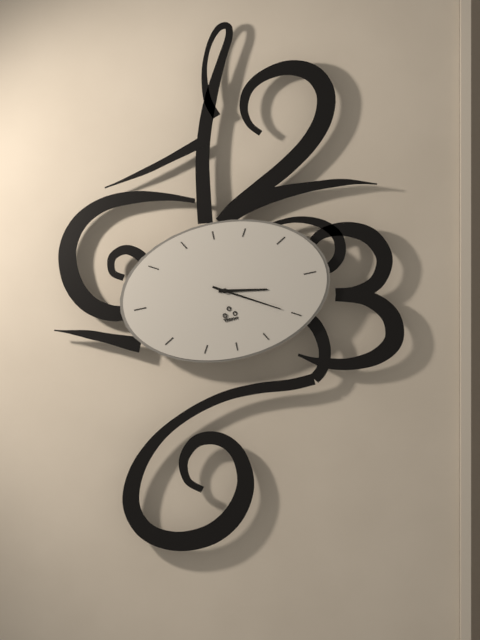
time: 3:20
